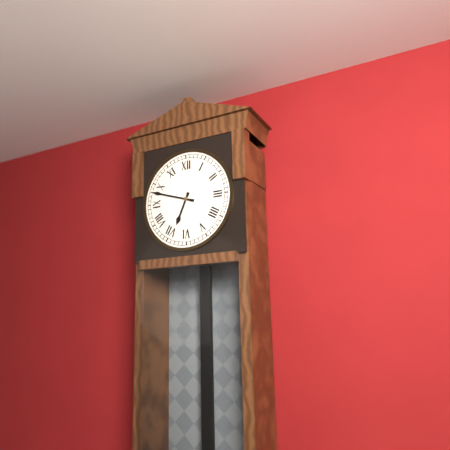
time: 6:48
